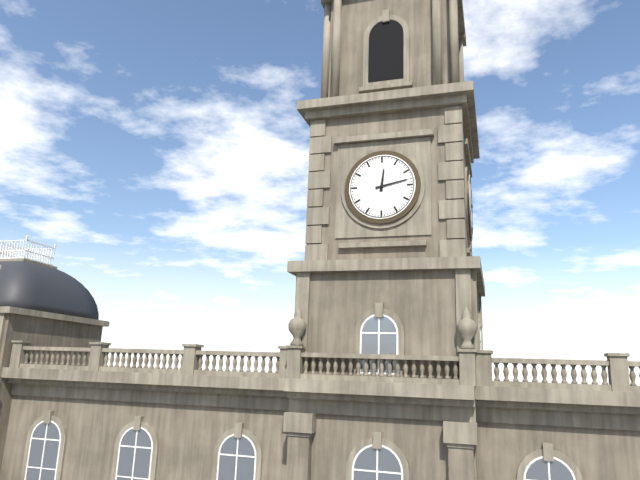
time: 12:13
